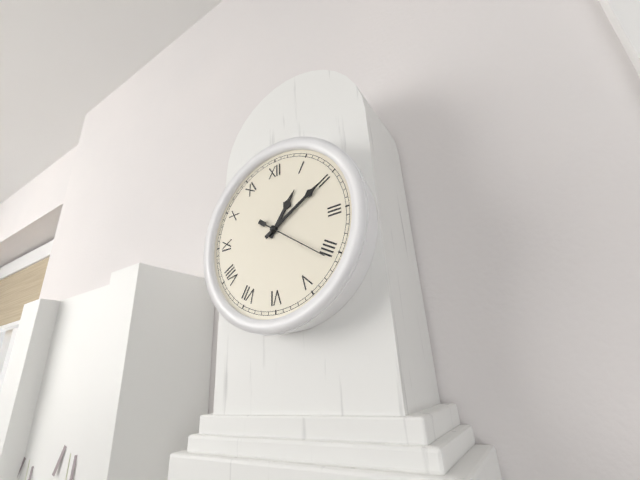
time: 1:10:21
